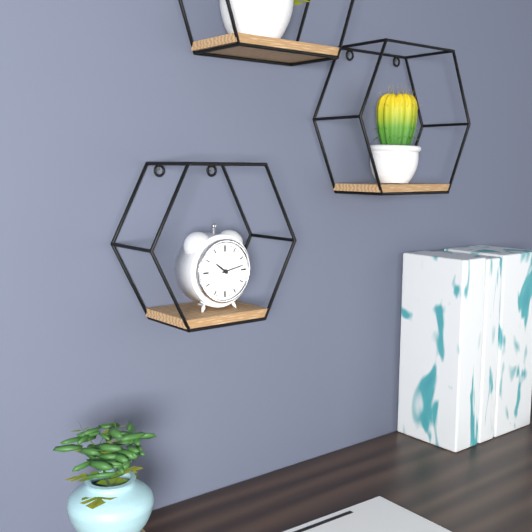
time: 10:13
